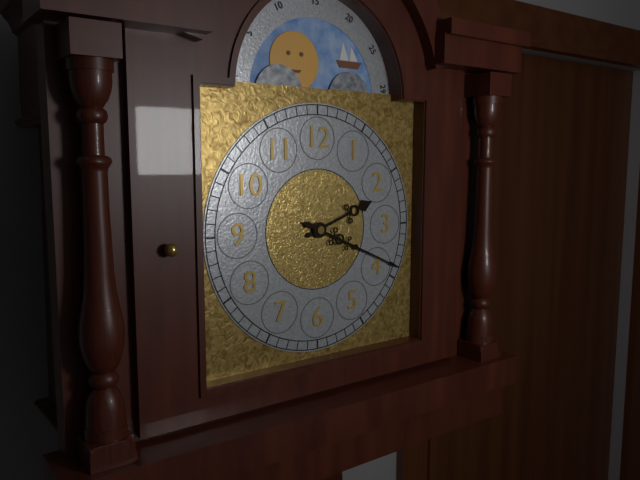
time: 2:19
